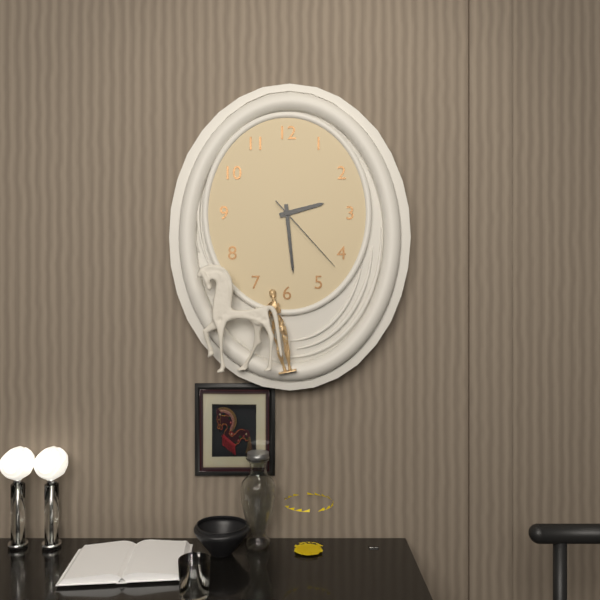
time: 2:29:23
